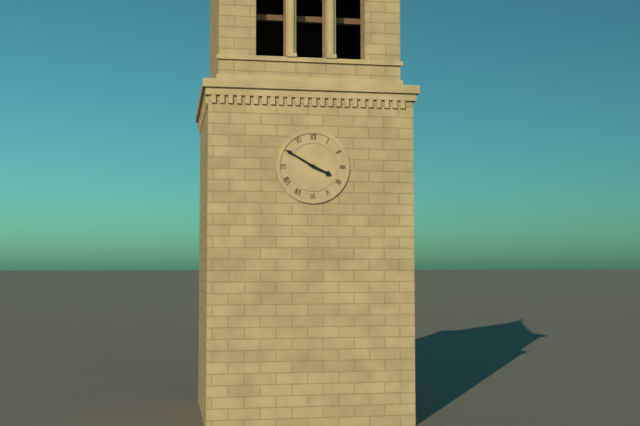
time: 3:50
